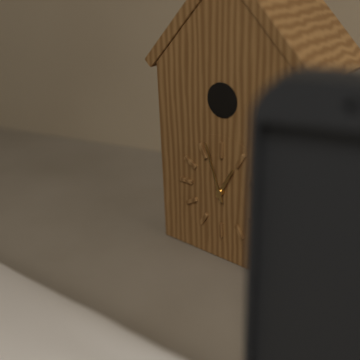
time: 12:57
